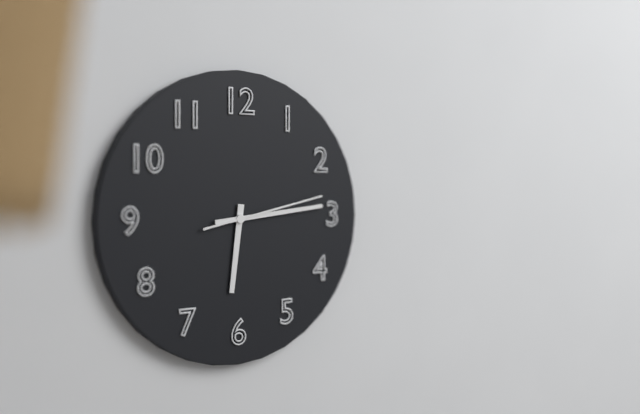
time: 6:14:13
